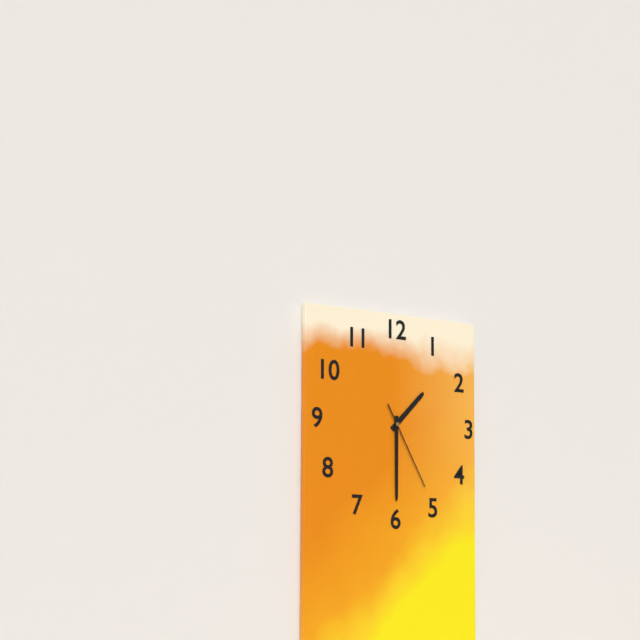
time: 1:30:25
